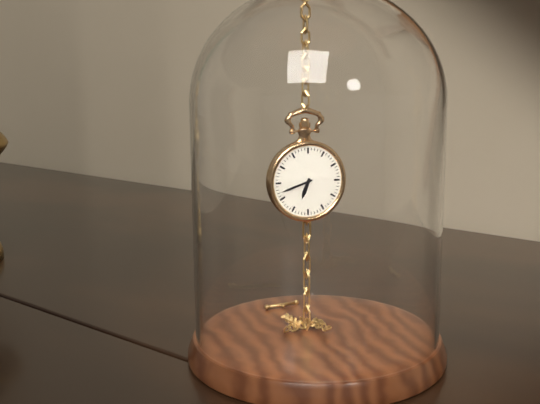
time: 6:42
